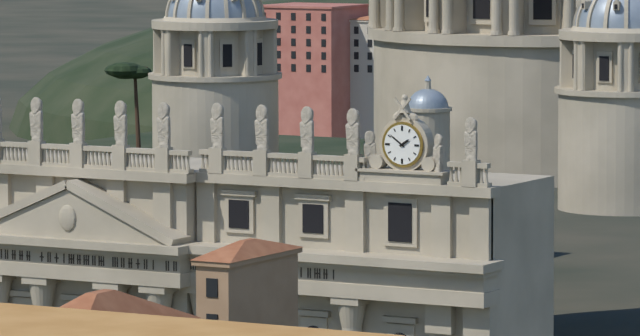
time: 1:51
